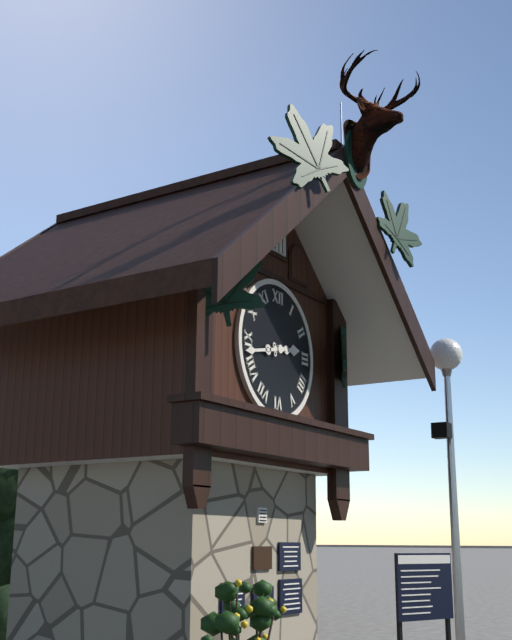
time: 2:43
